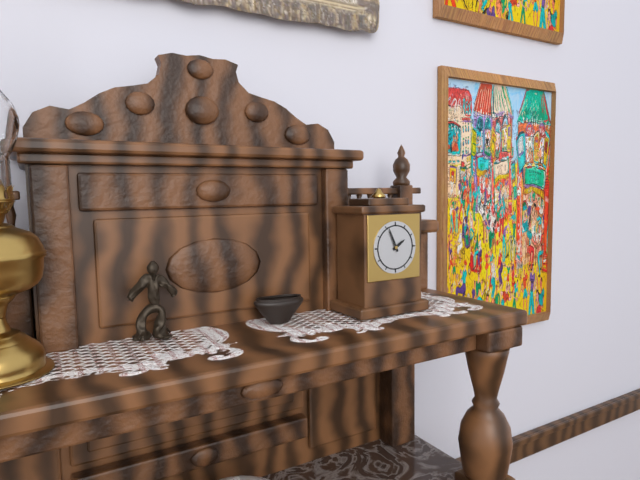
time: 1:56
